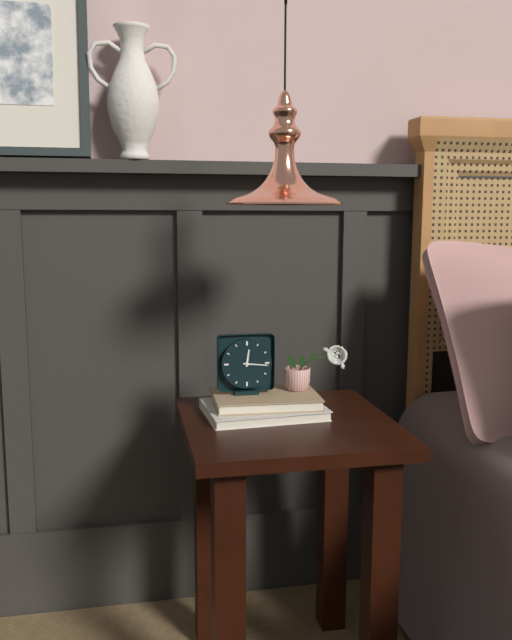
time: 12:16
